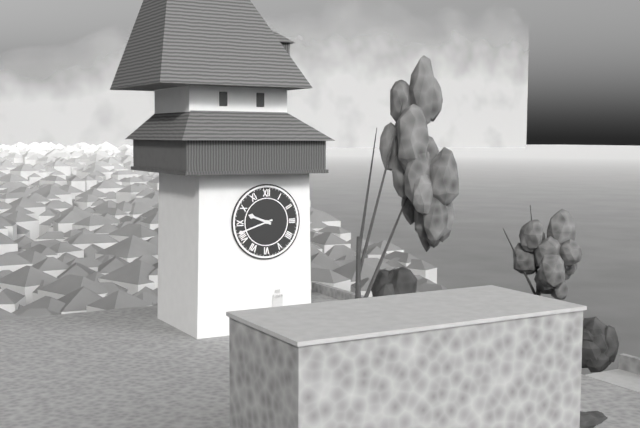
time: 9:42
